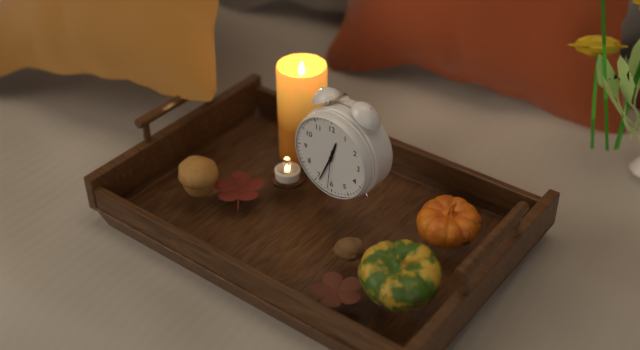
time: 12:34
